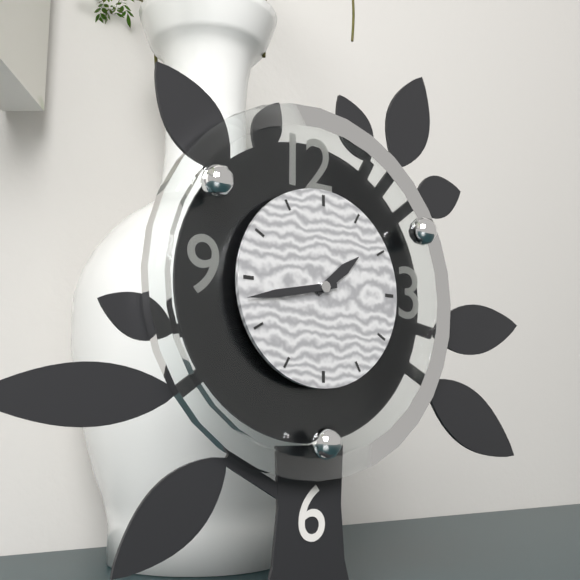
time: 1:43
